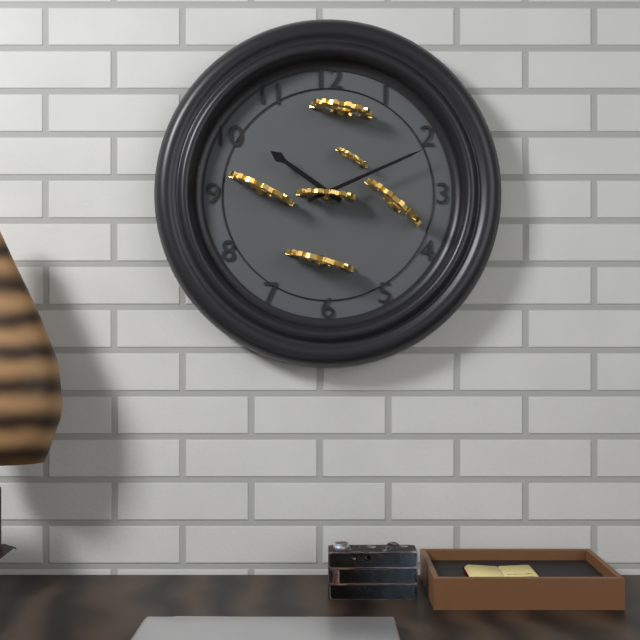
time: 10:11
